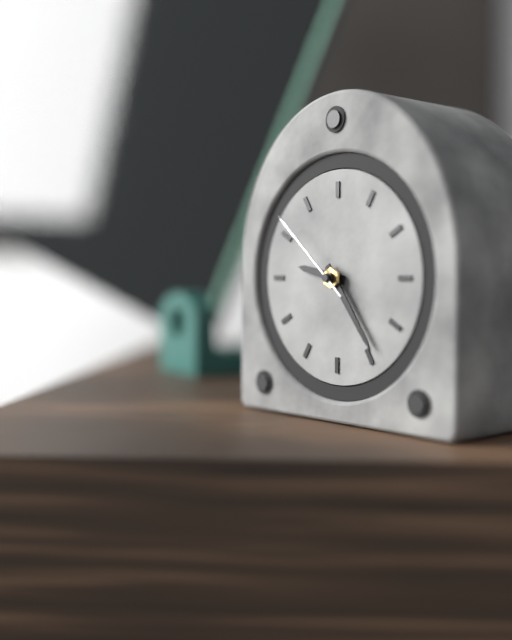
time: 9:24:52
